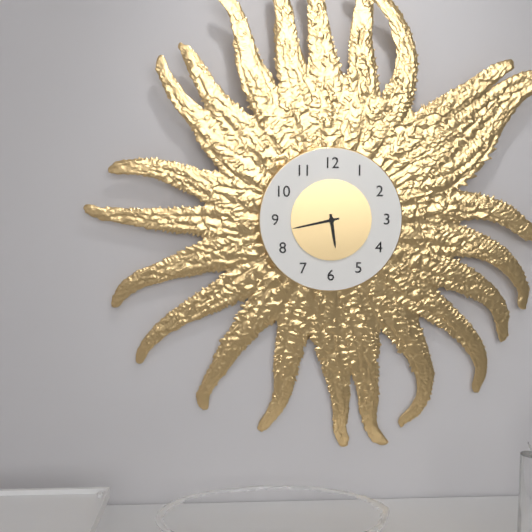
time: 5:43
